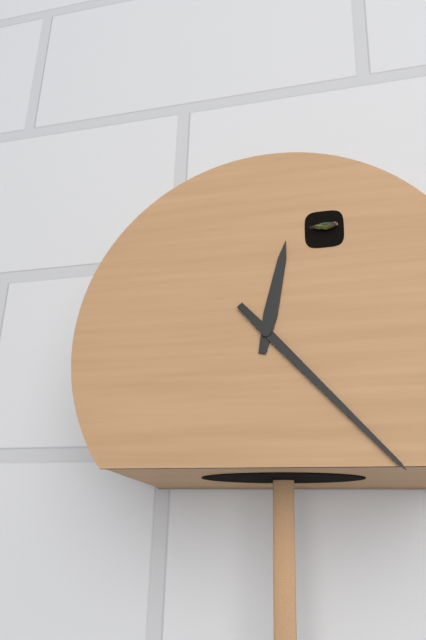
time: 12:23
